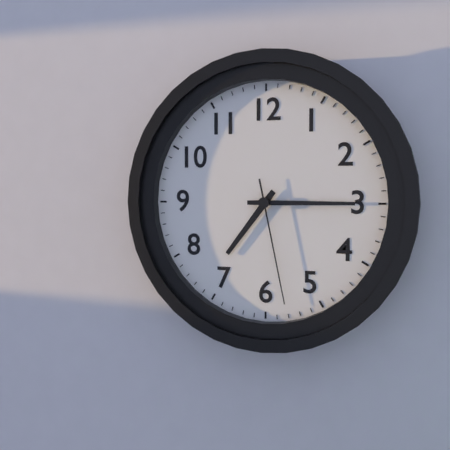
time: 7:15:28
